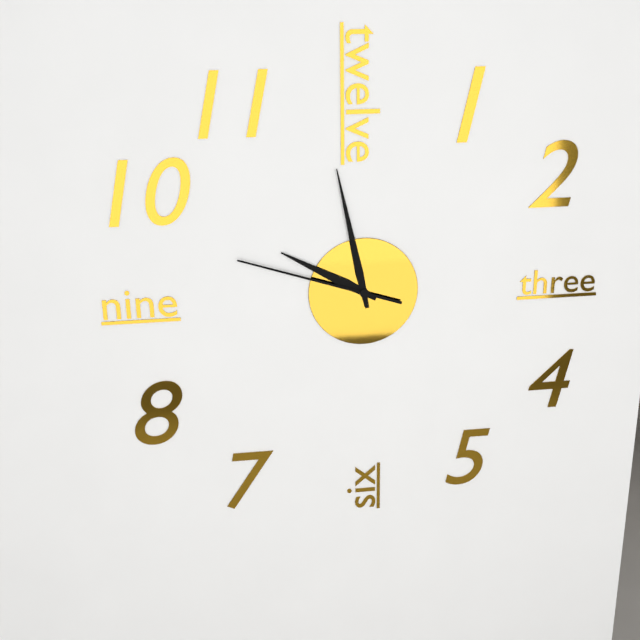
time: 9:58:48
